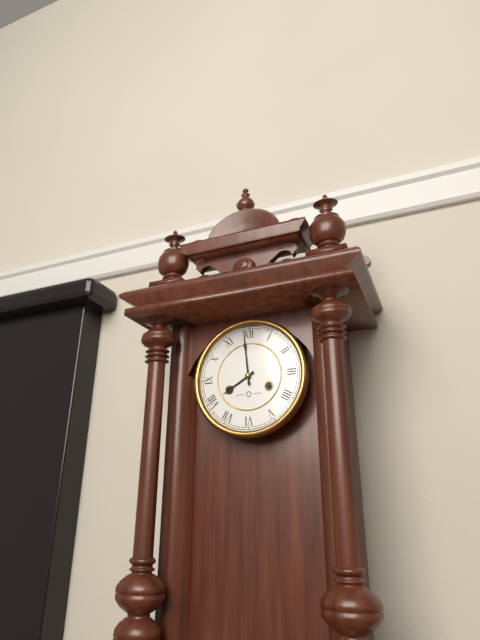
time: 7:59
